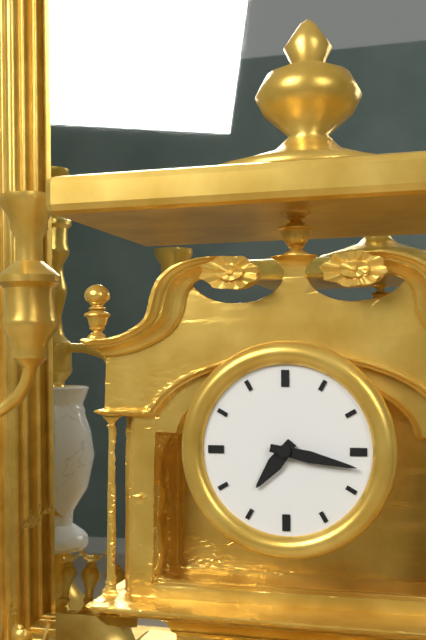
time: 7:17
